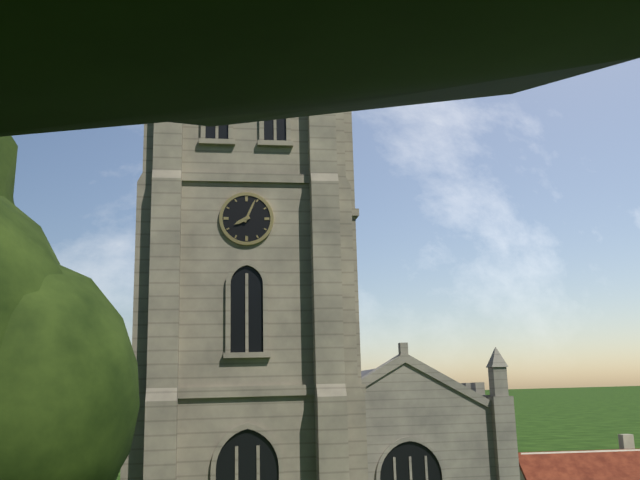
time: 8:04
